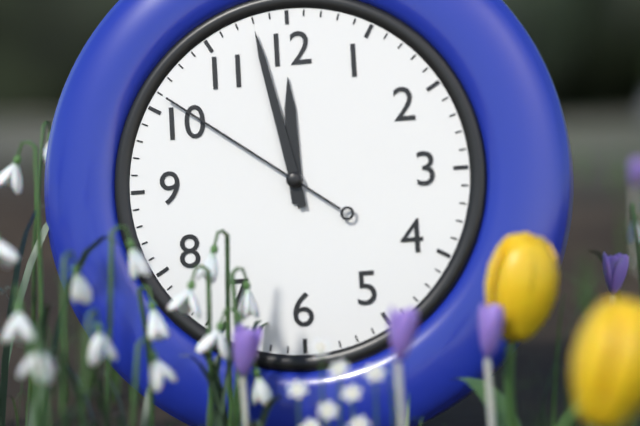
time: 11:58:51
